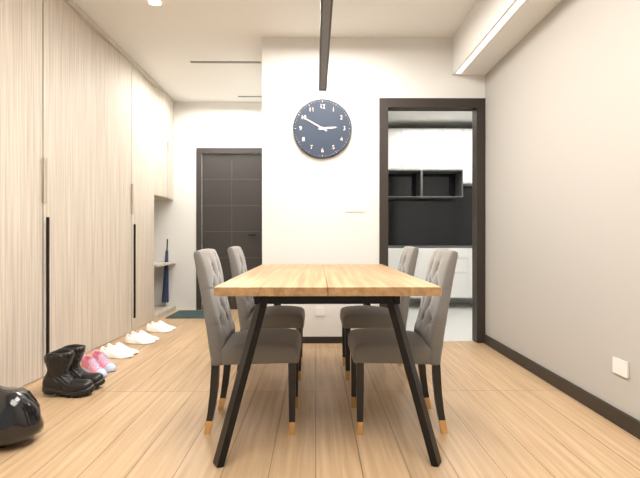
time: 2:50
